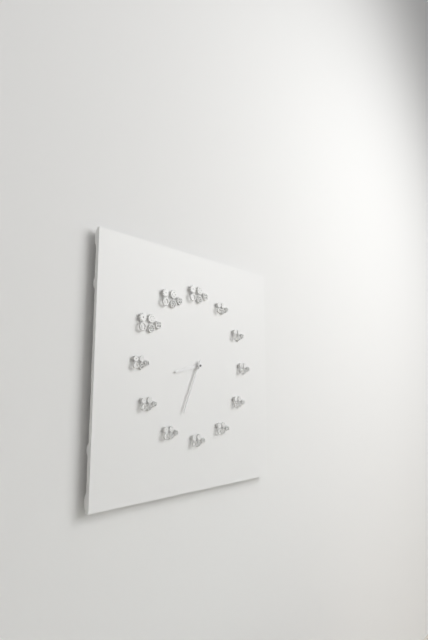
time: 8:34
